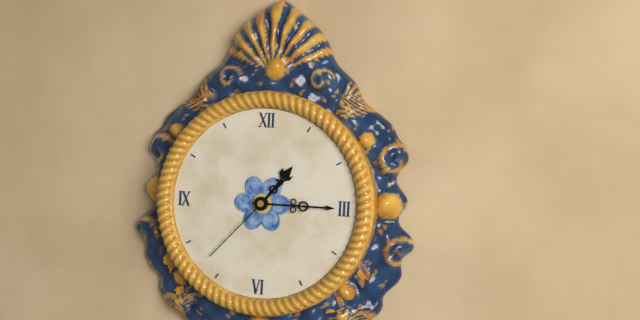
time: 1:15:37
